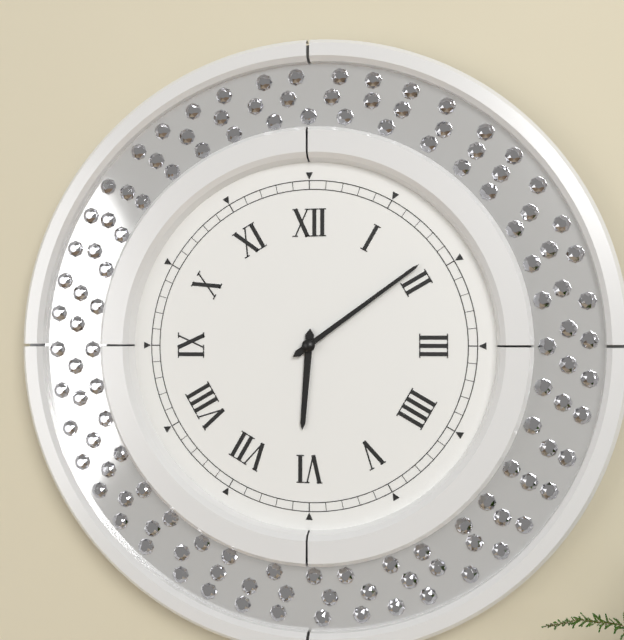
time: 6:09
